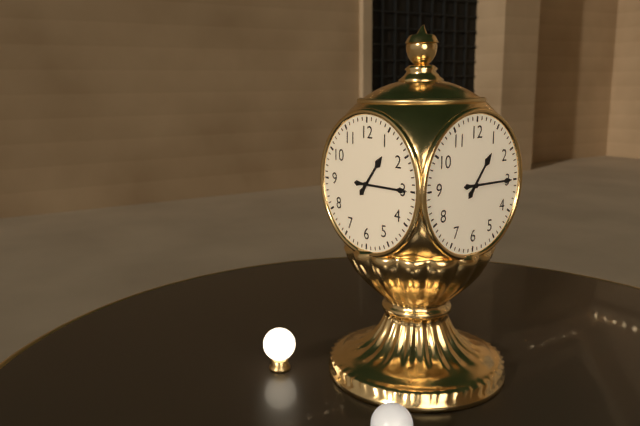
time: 1:15
